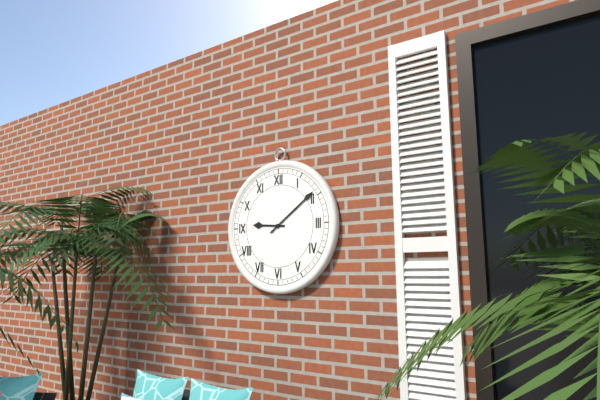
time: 9:09
